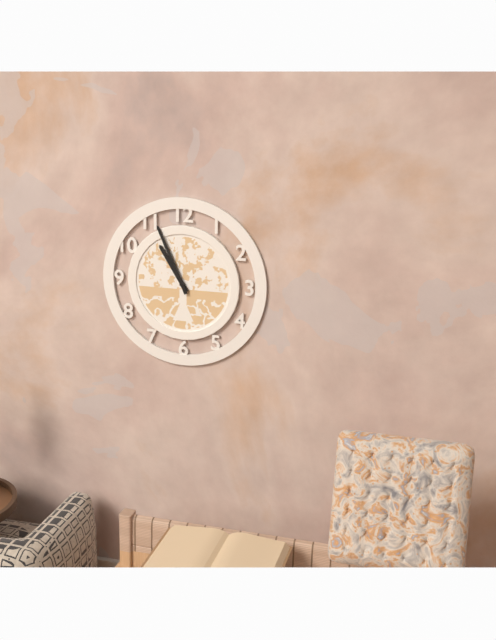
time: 10:56
